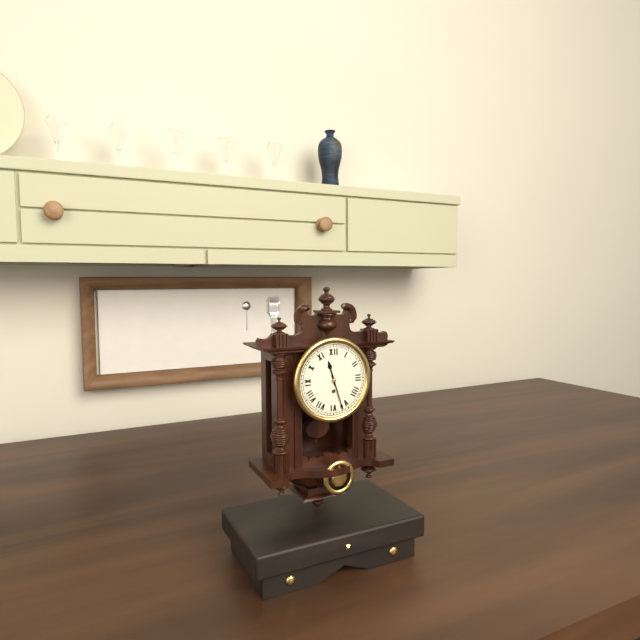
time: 11:27
